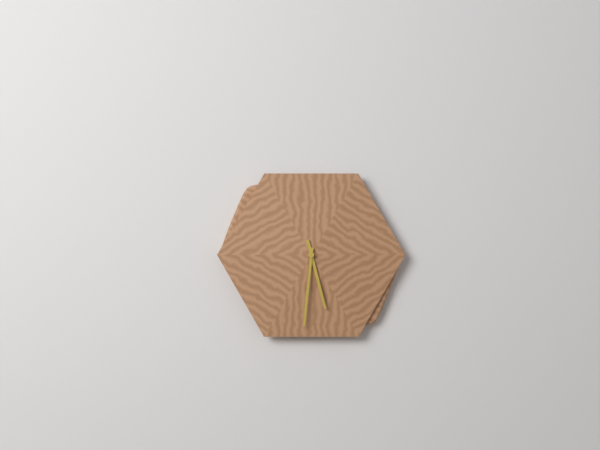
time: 5:31
